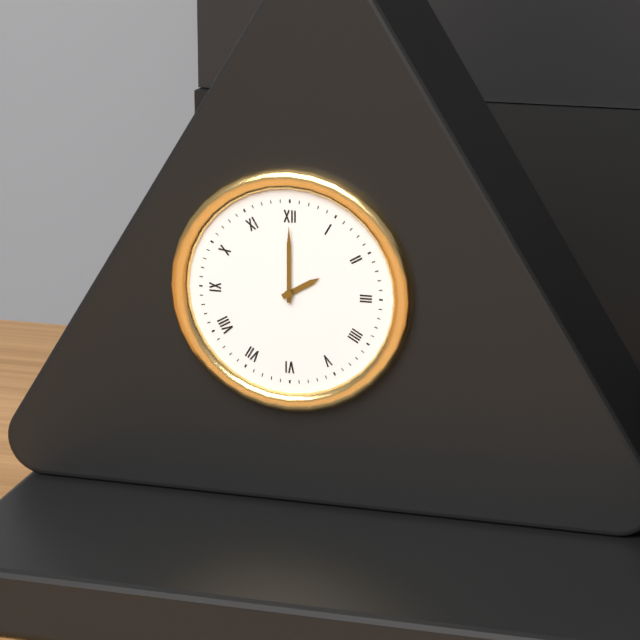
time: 2:00
